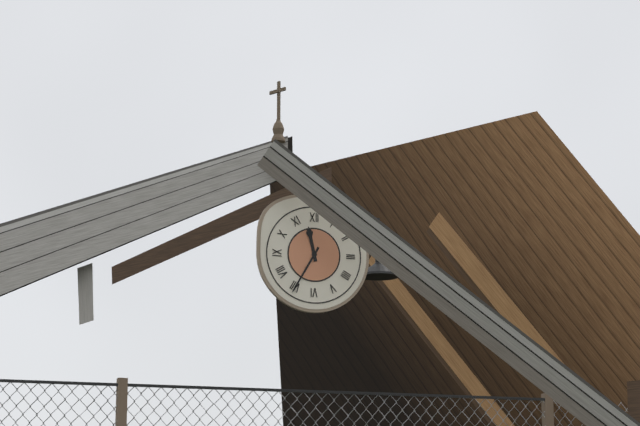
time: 11:35
